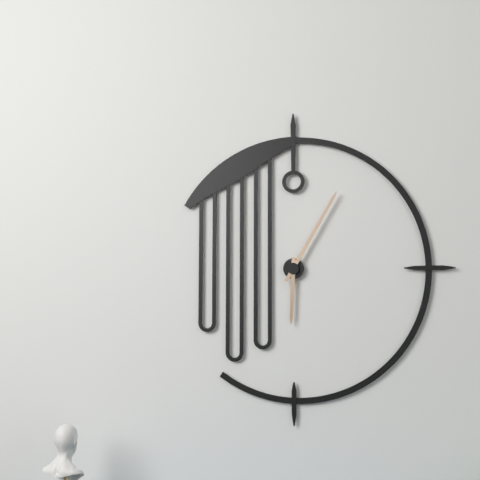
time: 6:05
